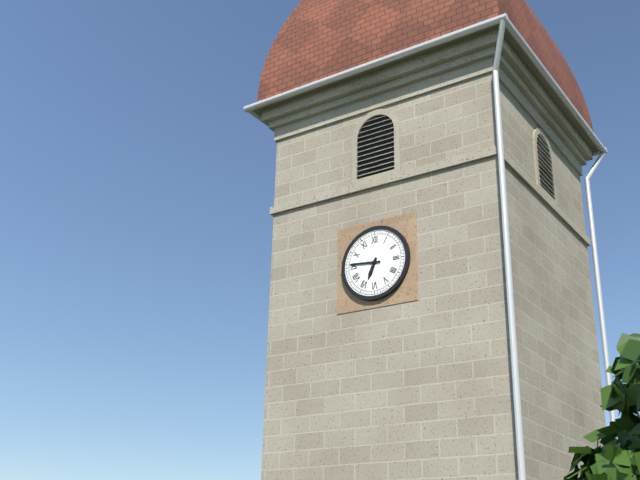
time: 6:46
